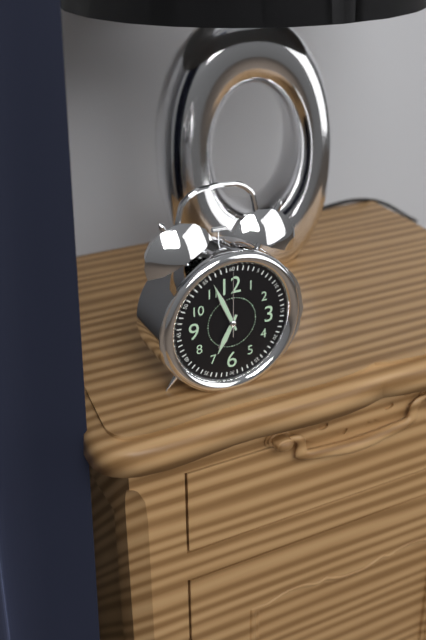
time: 6:56:00
